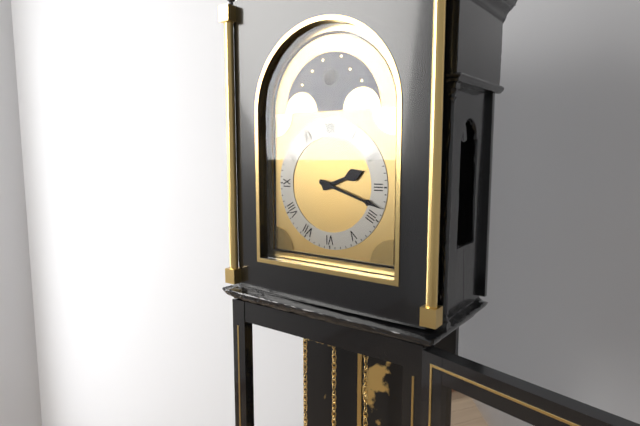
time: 2:18
